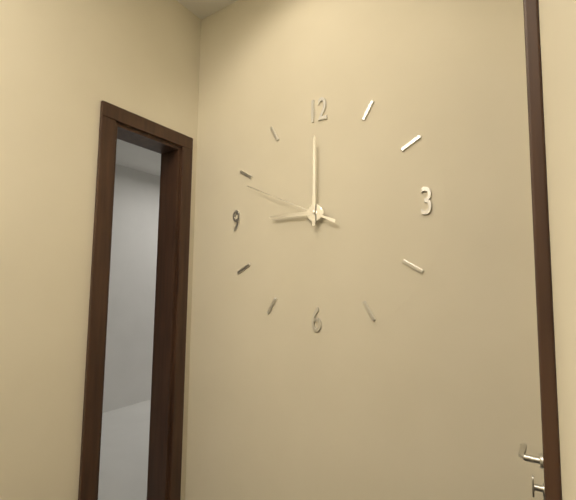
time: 9:00:49
